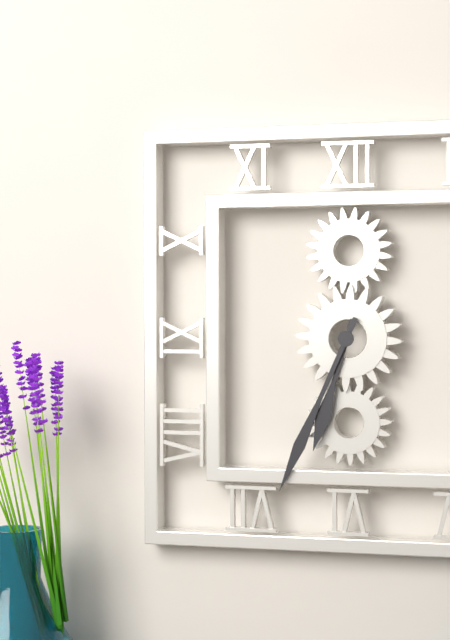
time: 6:34
